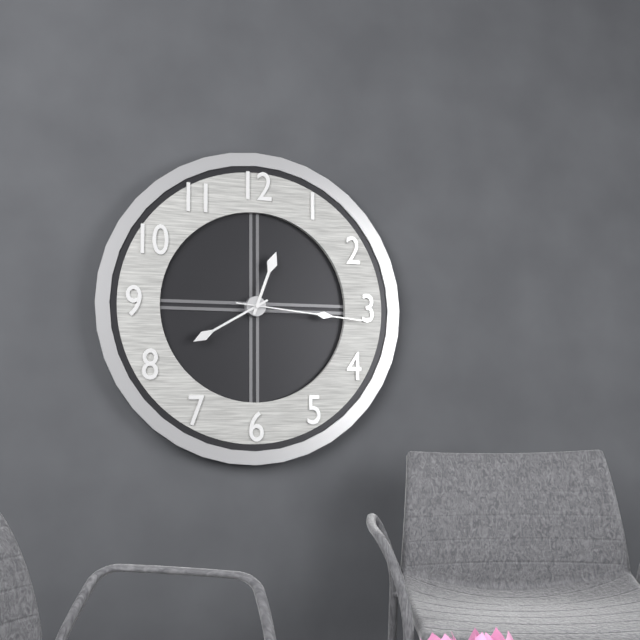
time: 12:40:16
